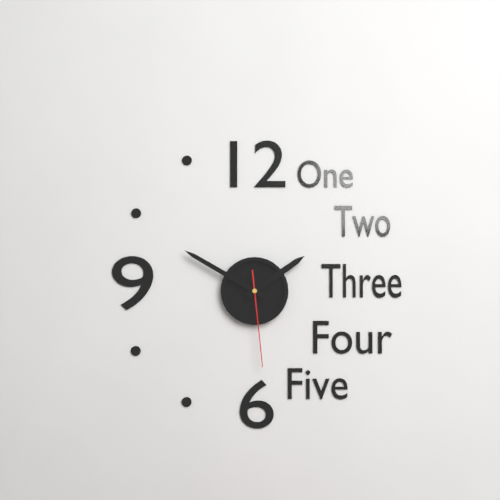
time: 1:50:29
